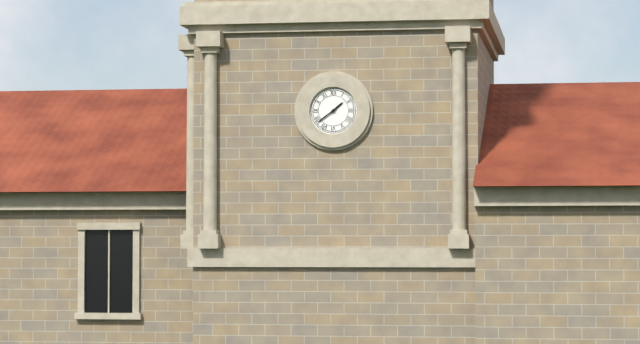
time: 1:39
